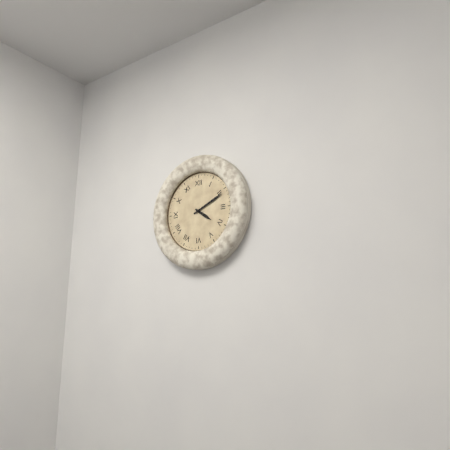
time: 4:11
